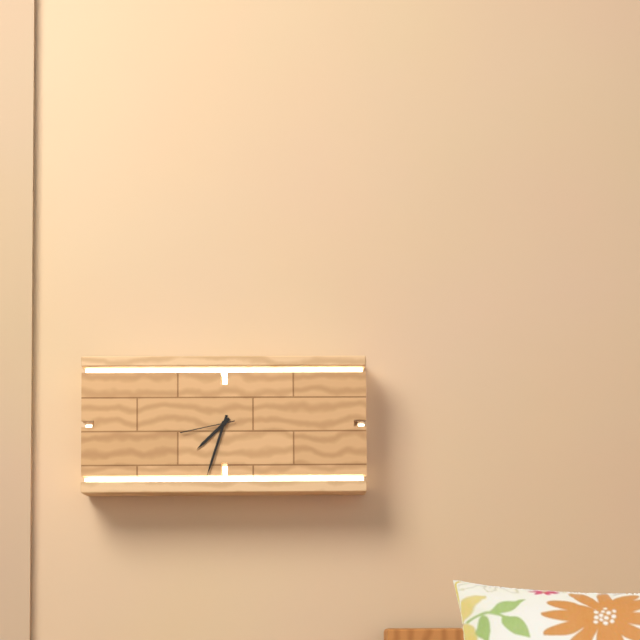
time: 7:33:43
